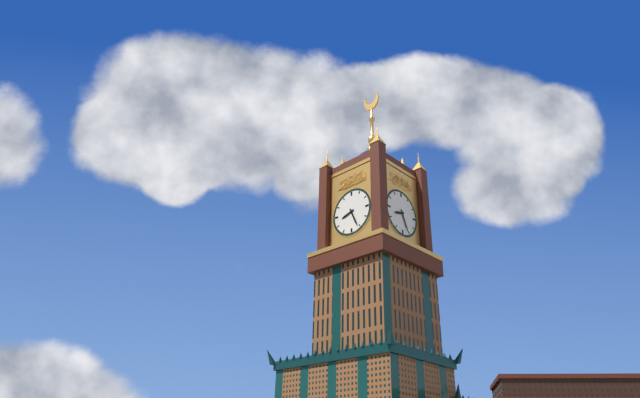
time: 8:26
